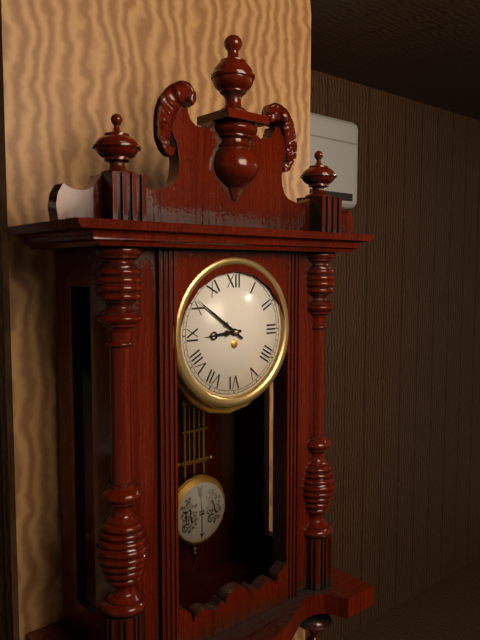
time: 8:51
